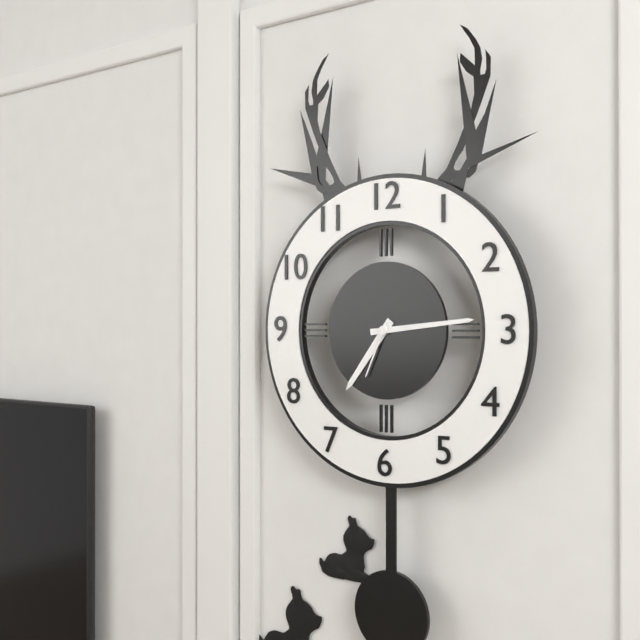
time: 7:14:34
